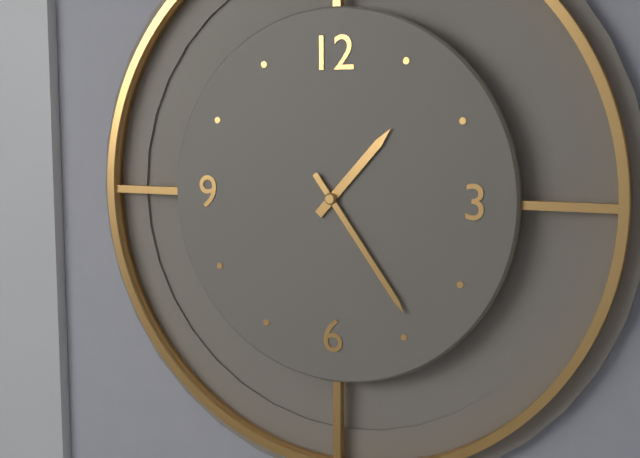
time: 1:24
